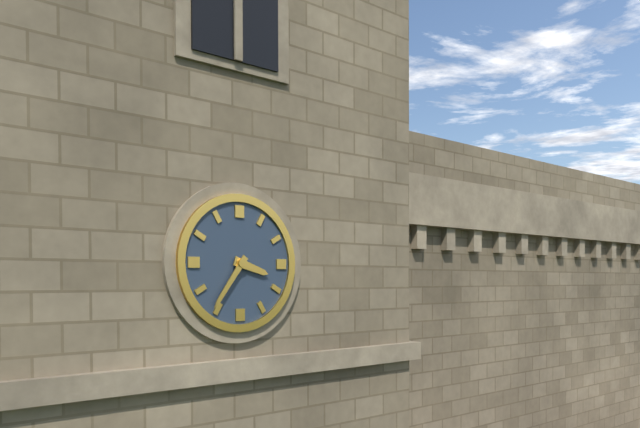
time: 3:36
